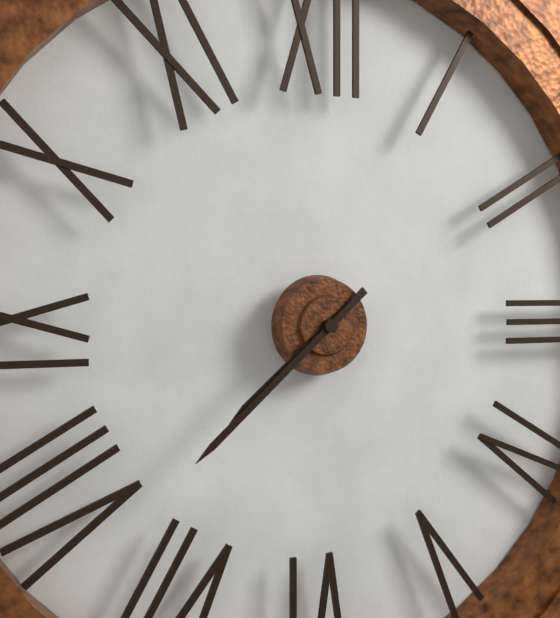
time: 7:38
